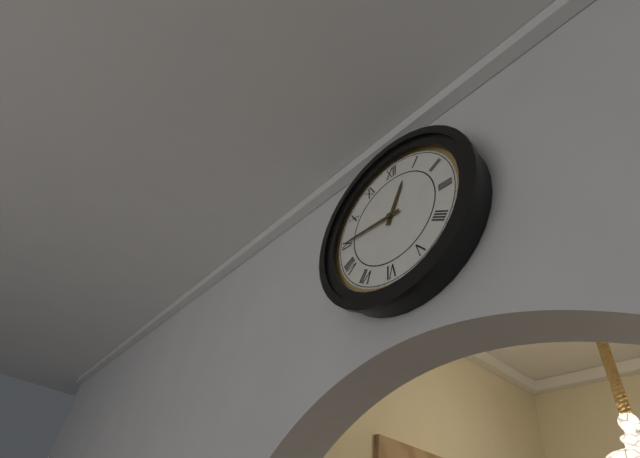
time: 12:45
